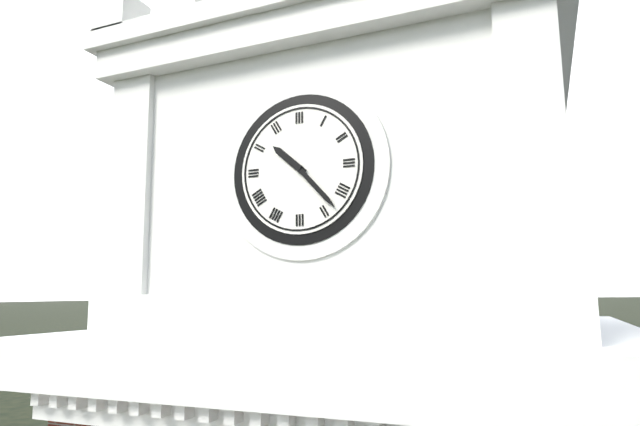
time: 10:23
